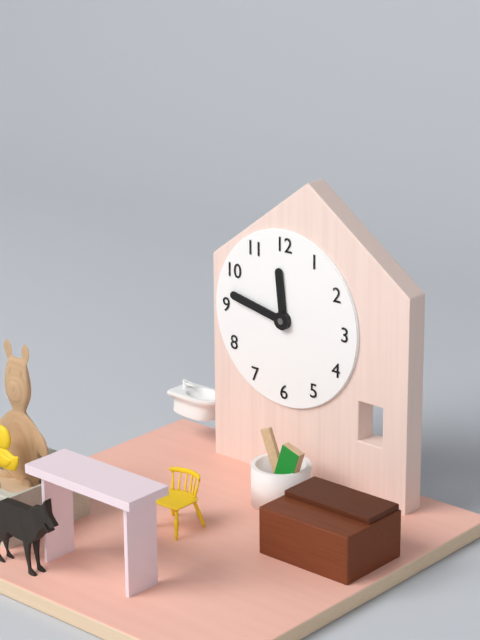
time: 11:47
